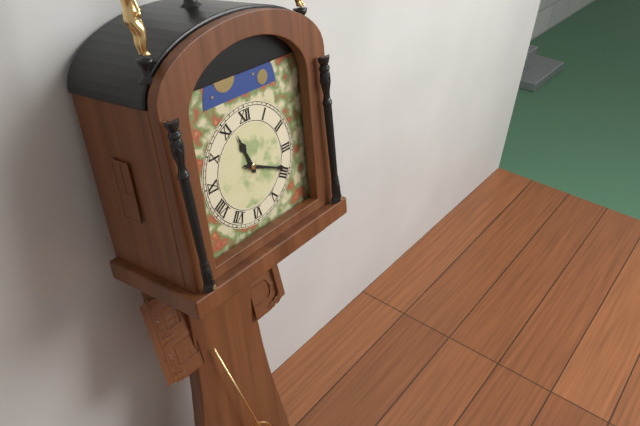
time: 11:19
